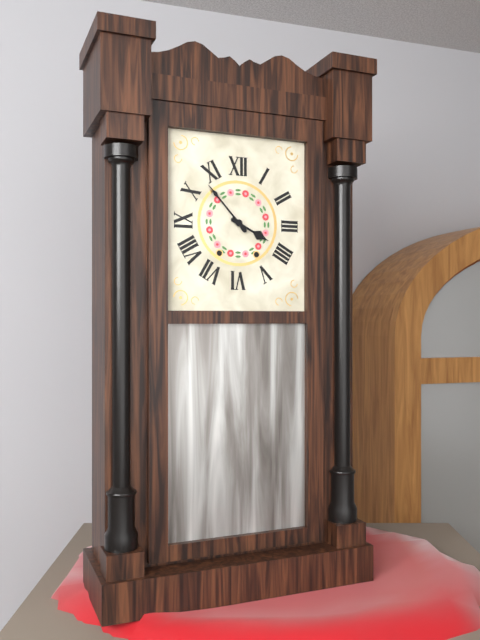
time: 3:53
